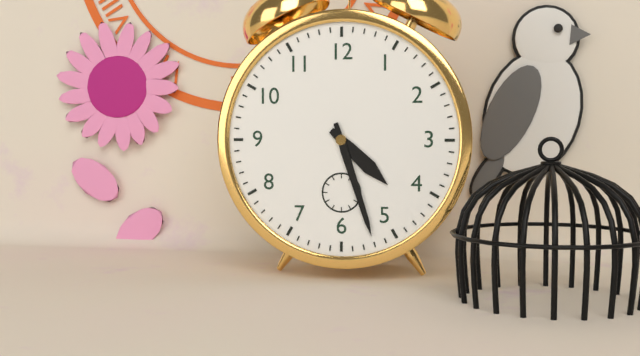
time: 4:27
